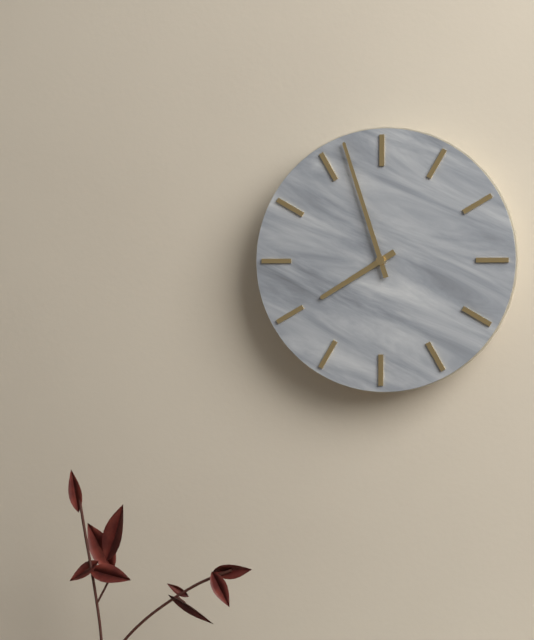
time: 7:57
